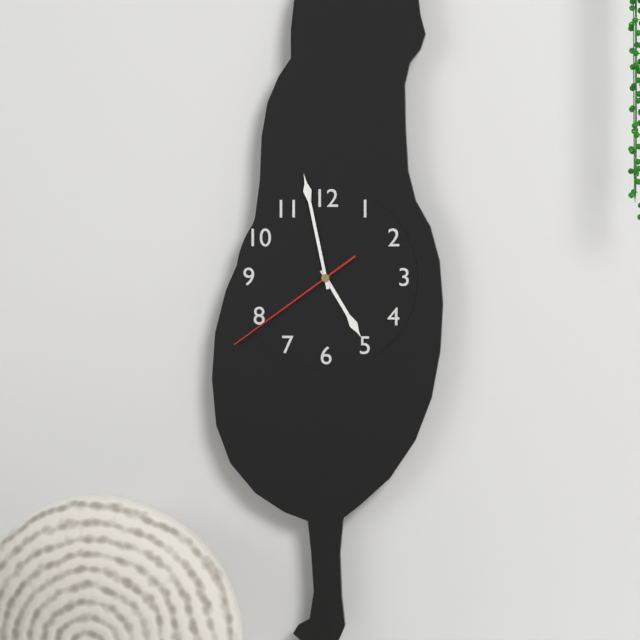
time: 4:58:39
